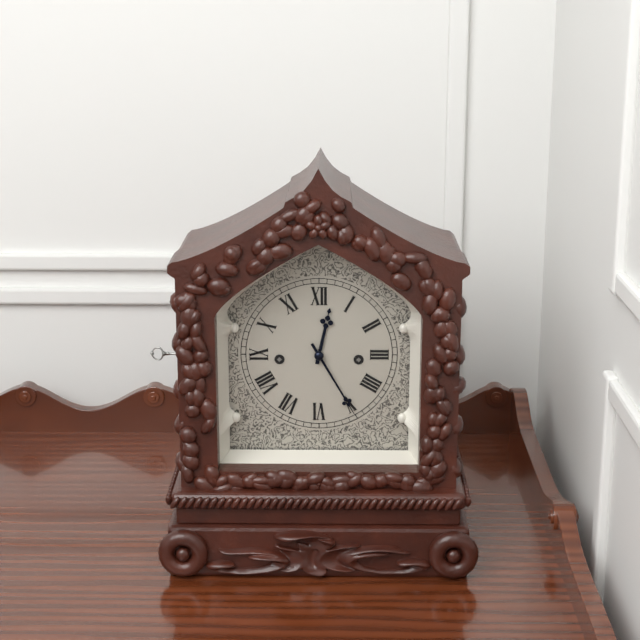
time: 12:25
